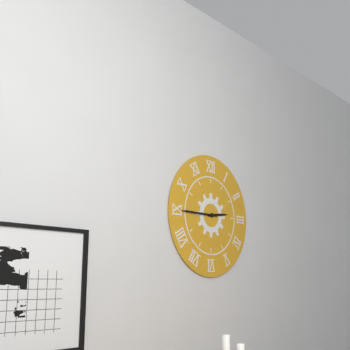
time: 2:45
